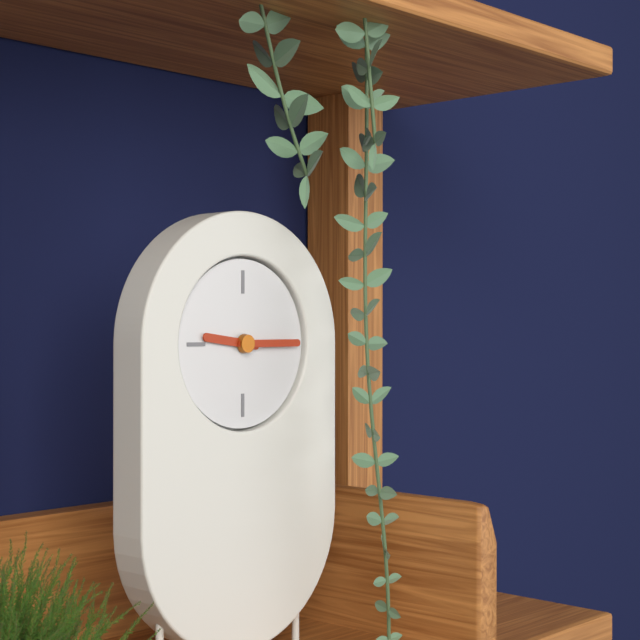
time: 9:15
